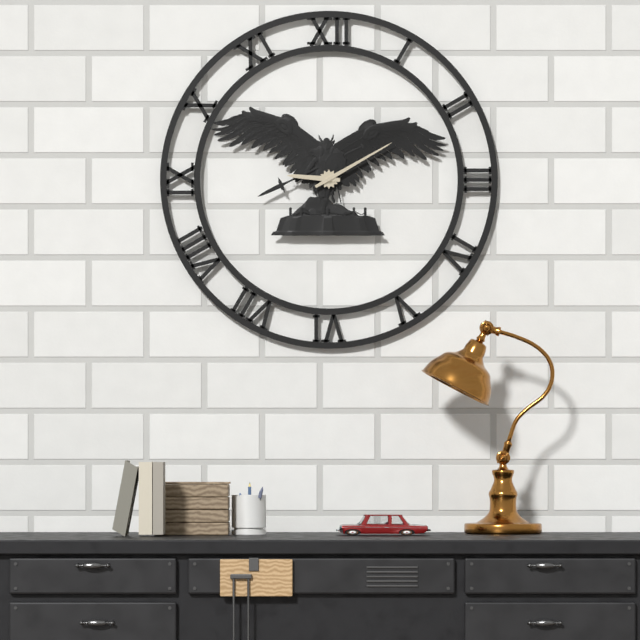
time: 9:10
